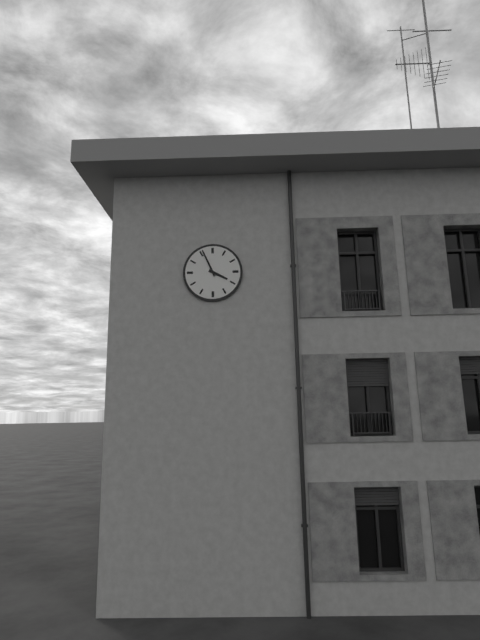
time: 3:56
